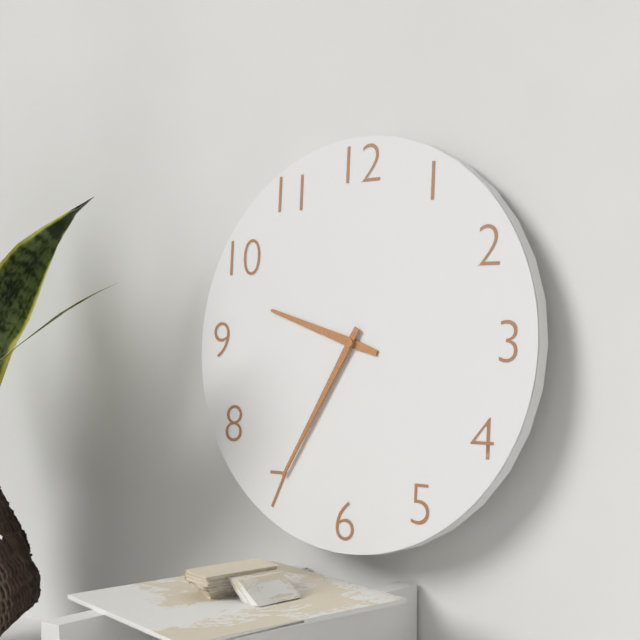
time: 9:35
